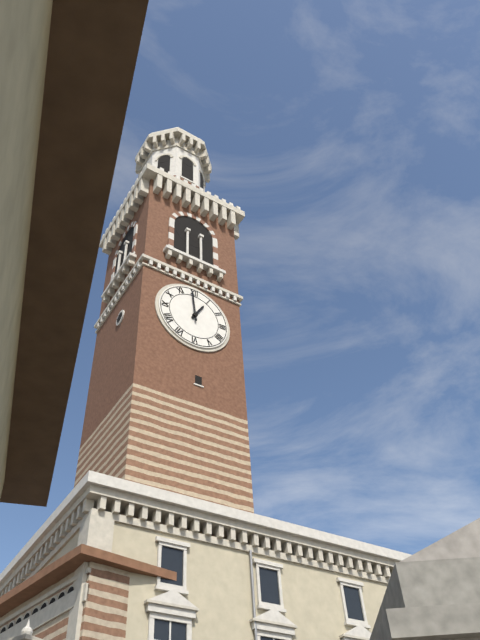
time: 12:59
